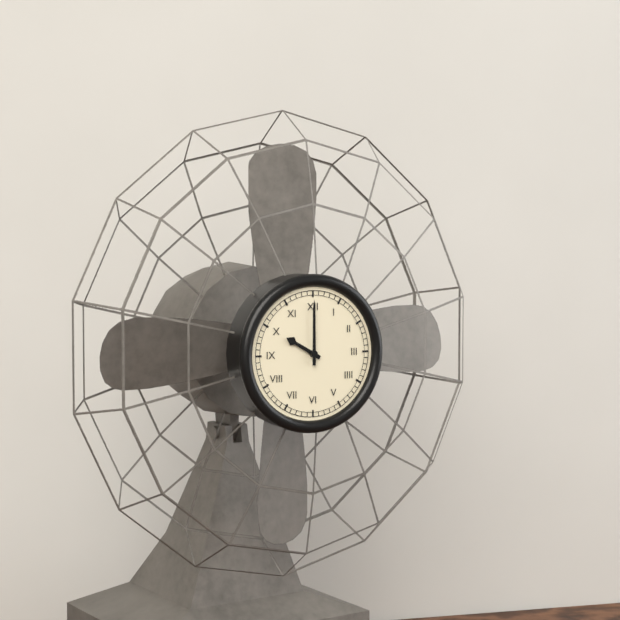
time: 10:00
